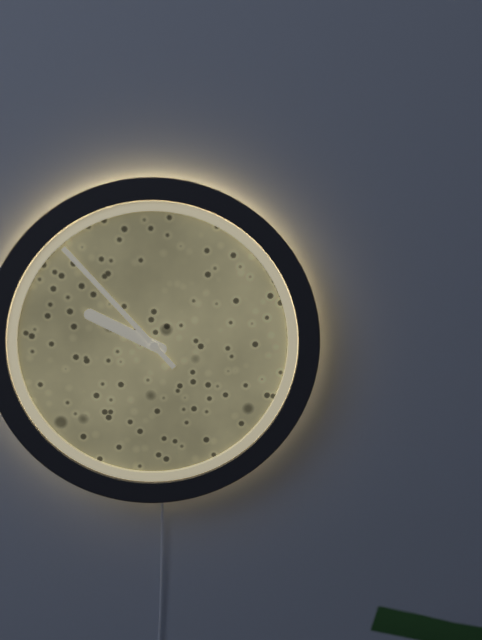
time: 9:53
